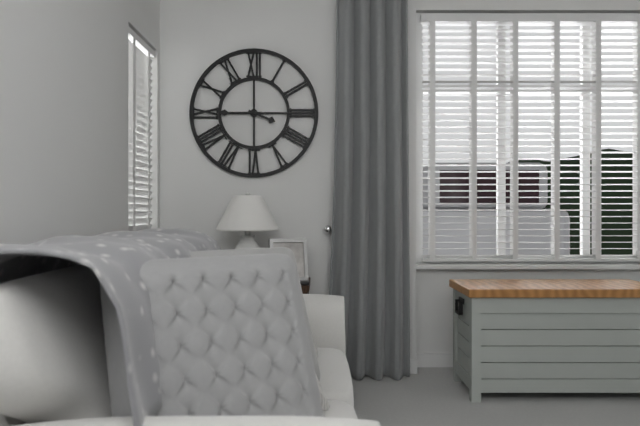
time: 3:45
